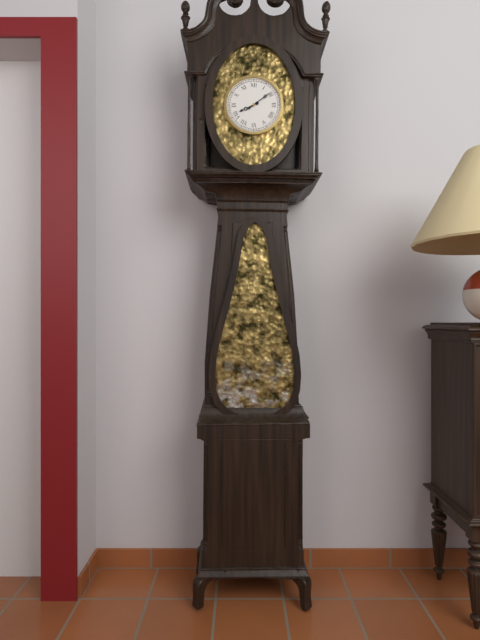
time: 8:09
